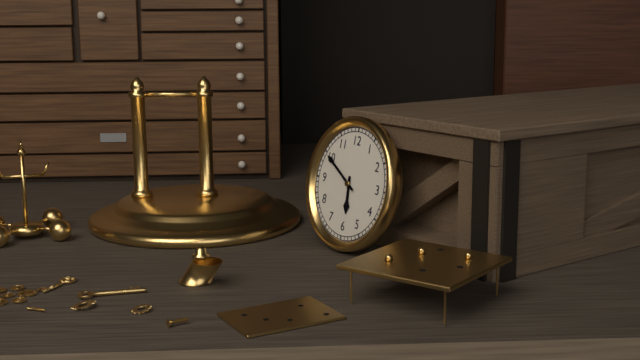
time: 5:50
